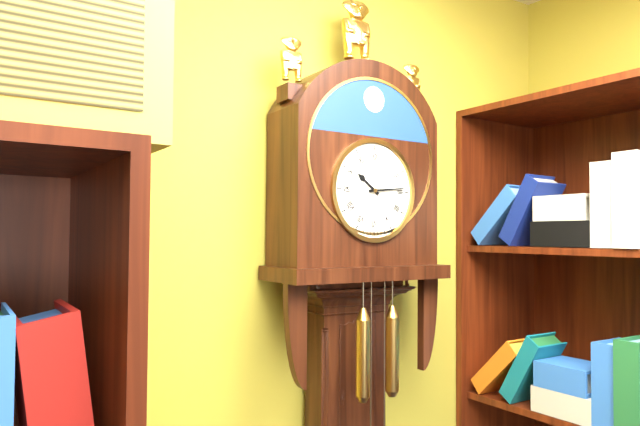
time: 10:14
